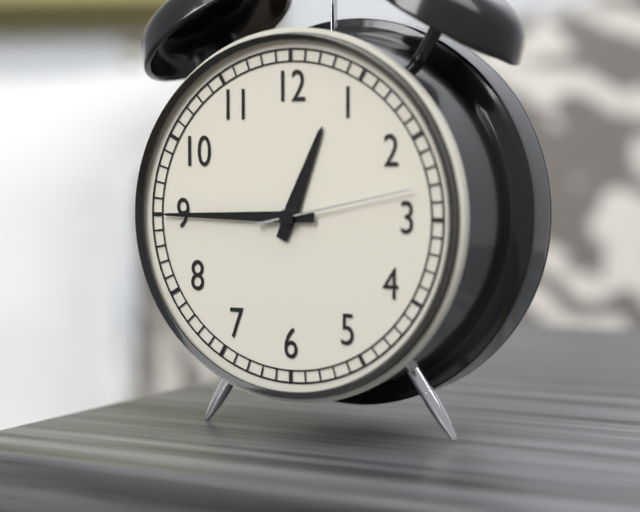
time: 12:45:13
